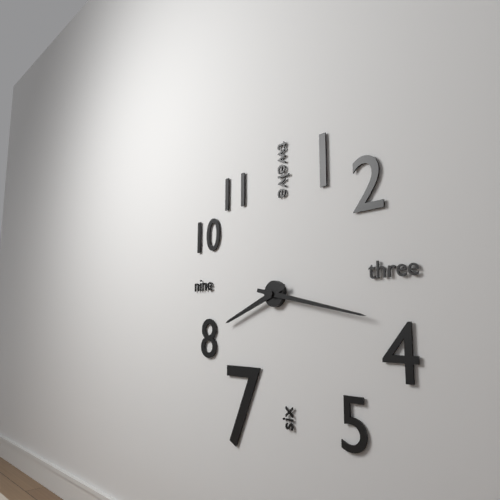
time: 8:17
